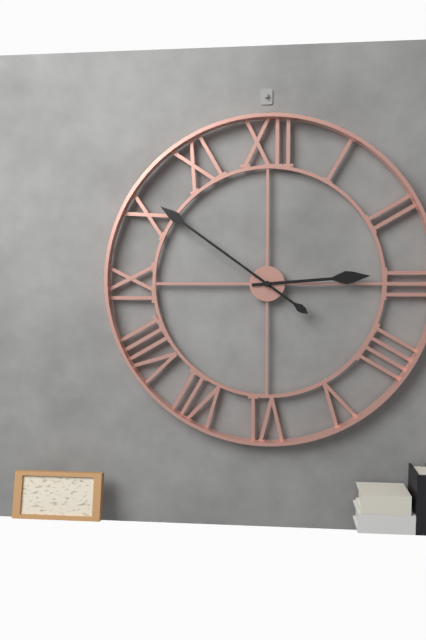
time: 2:51
